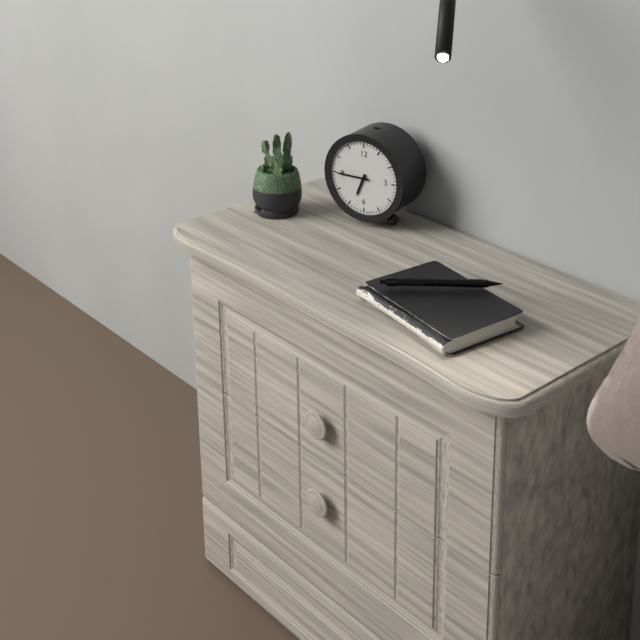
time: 6:45
